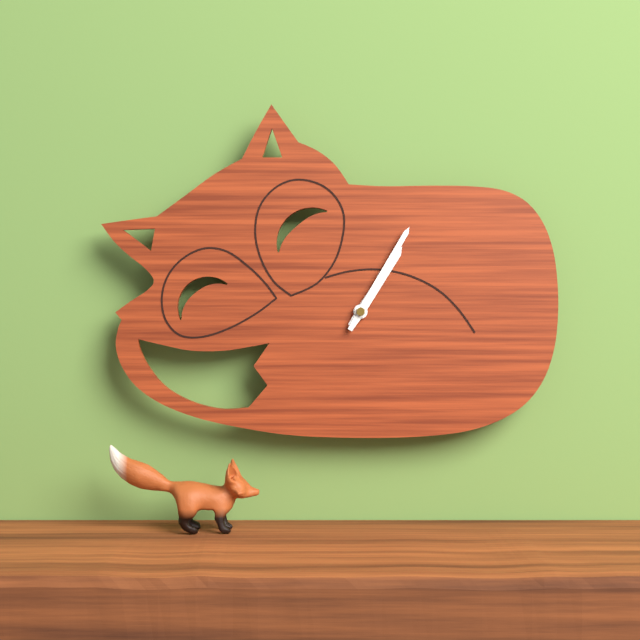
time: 1:05
